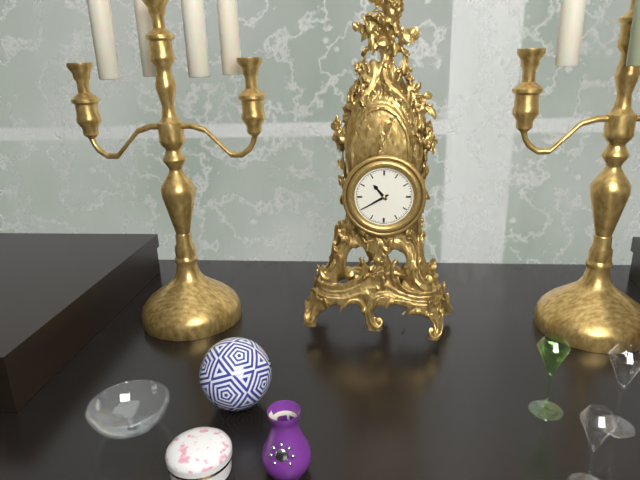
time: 10:40
